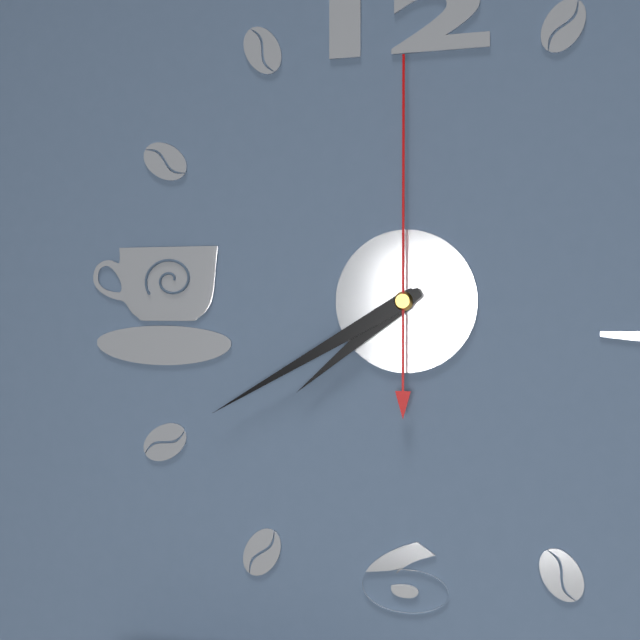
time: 7:40:00
